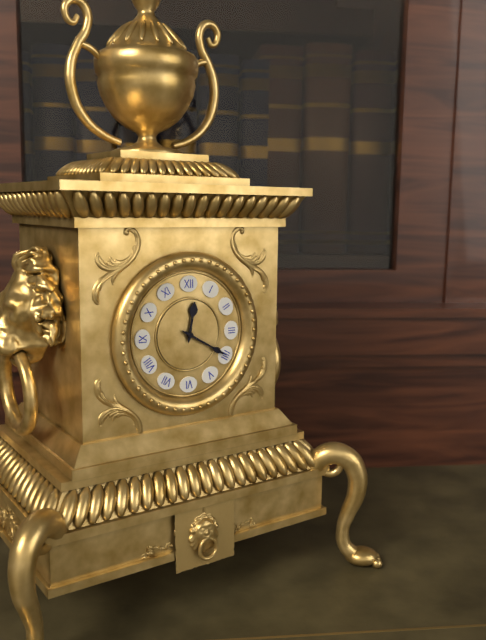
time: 12:20
